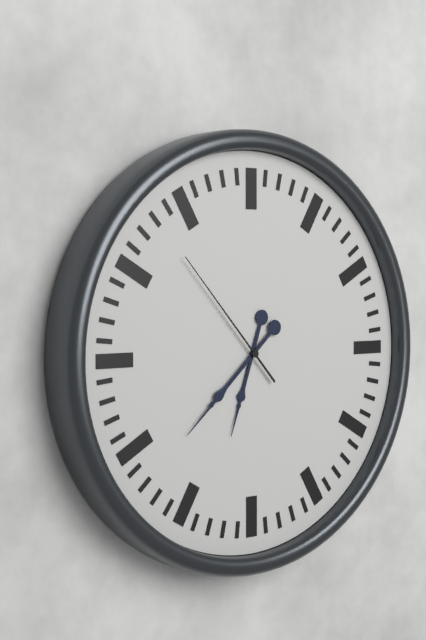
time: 6:38:53
